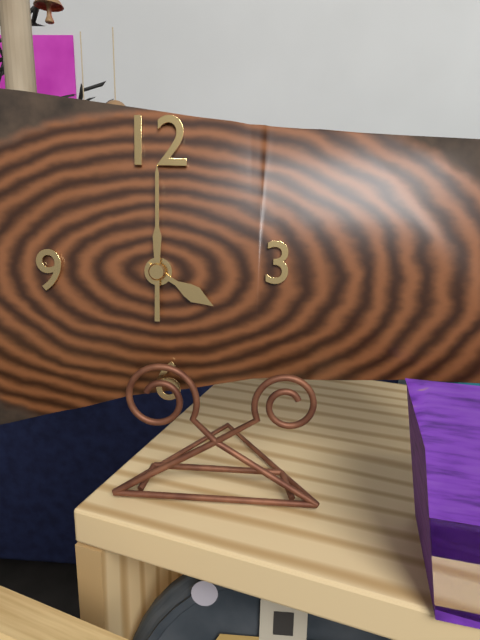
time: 4:00
